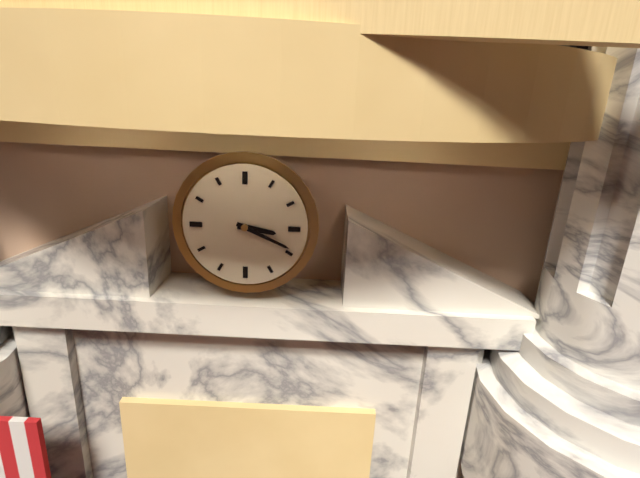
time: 3:19
